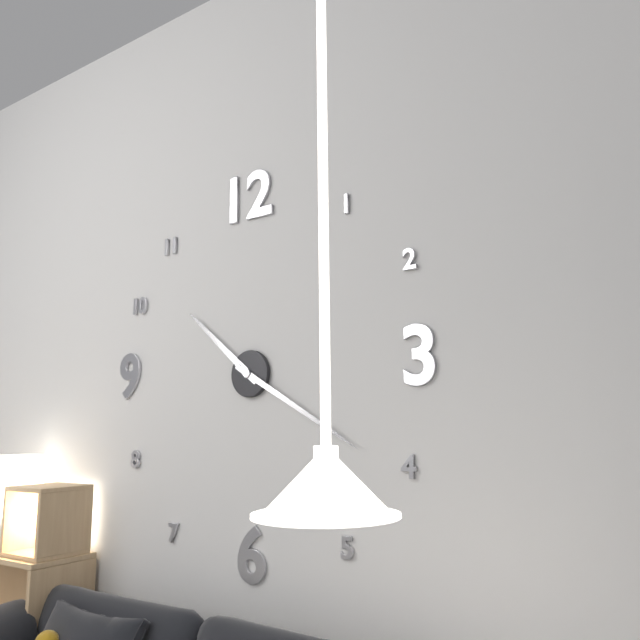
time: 10:20
